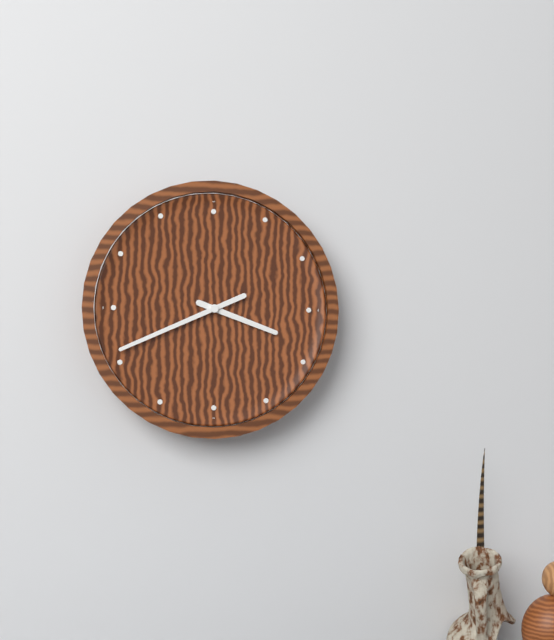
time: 3:41
